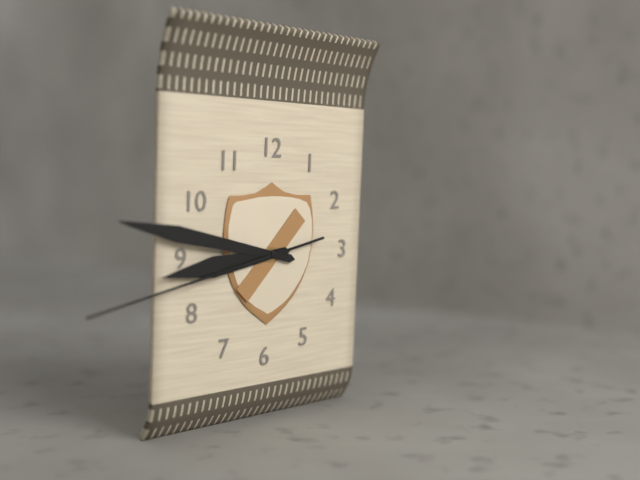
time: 8:47:43
